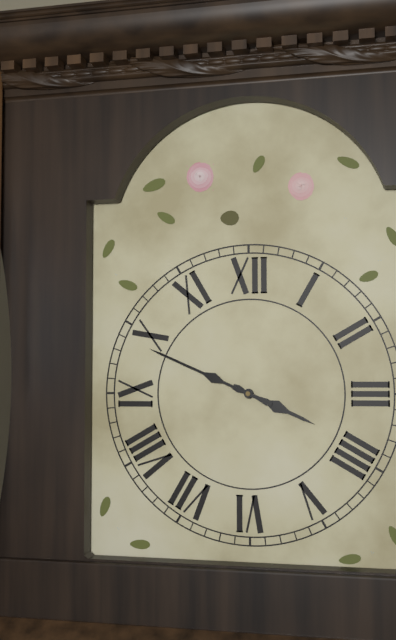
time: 3:49
